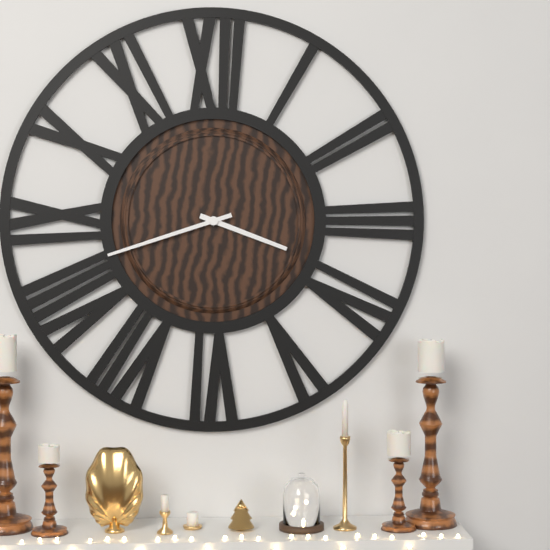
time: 3:42
